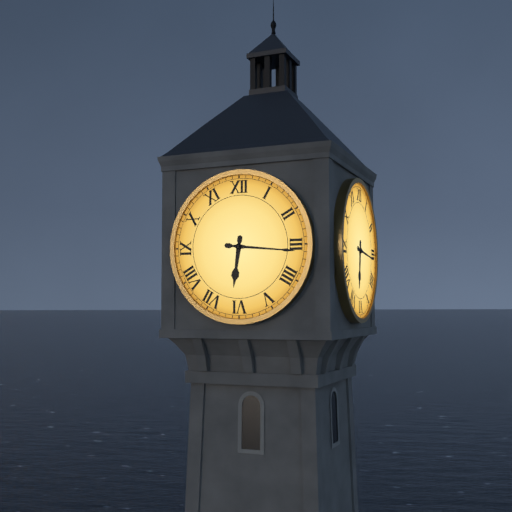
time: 6:16
